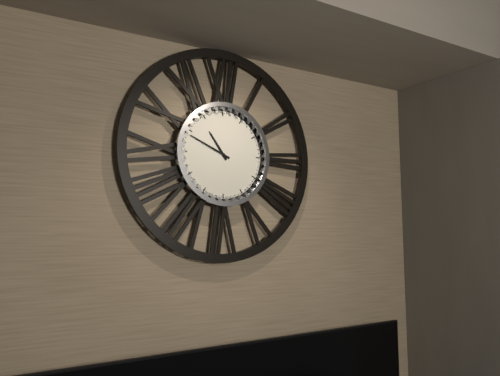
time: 10:49
